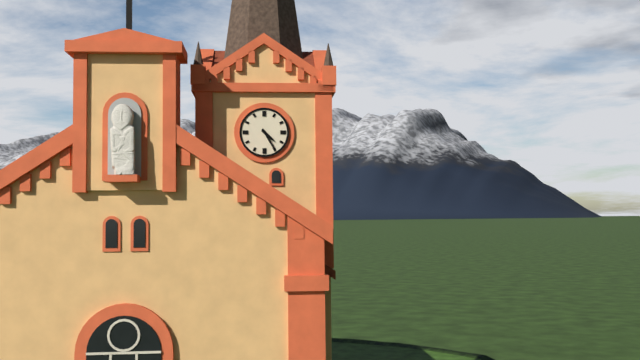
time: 4:25
